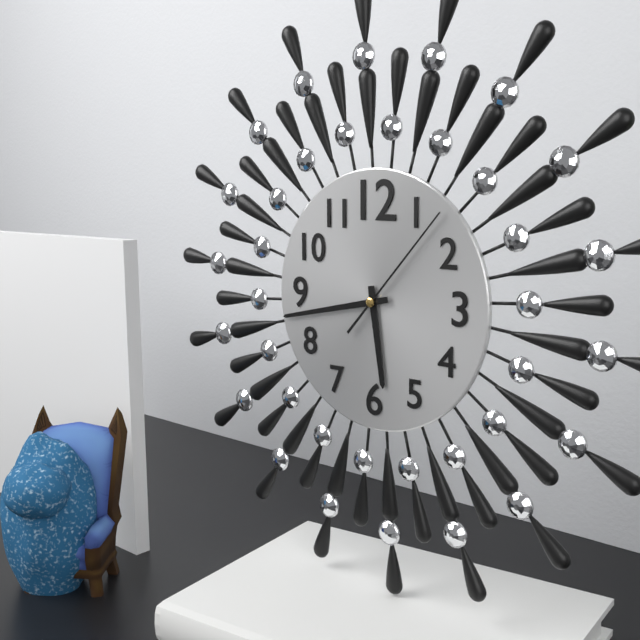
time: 5:43:07
